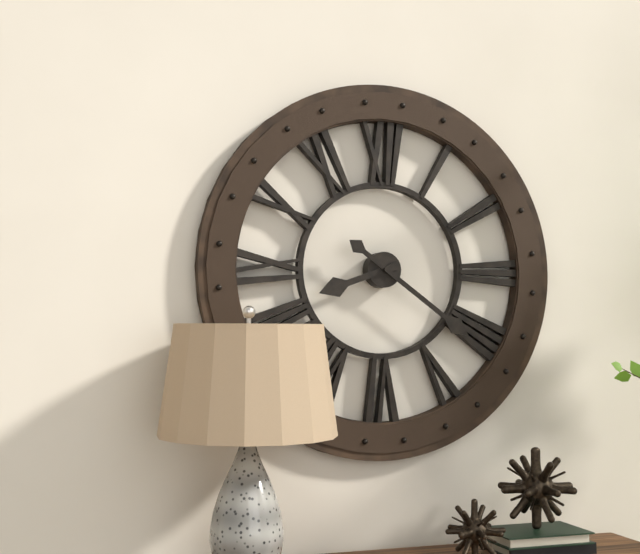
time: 8:21
